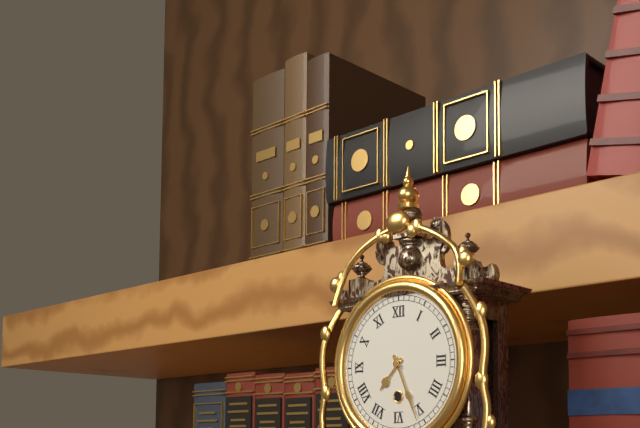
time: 7:26
